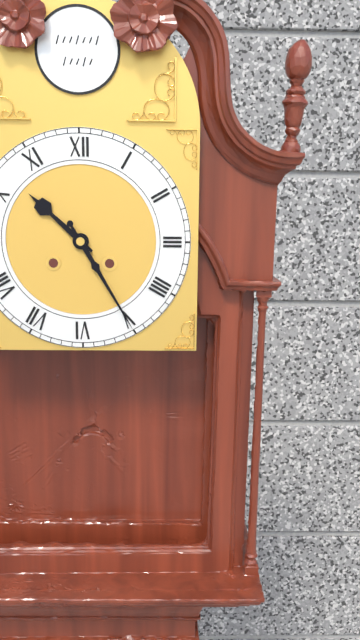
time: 10:25
